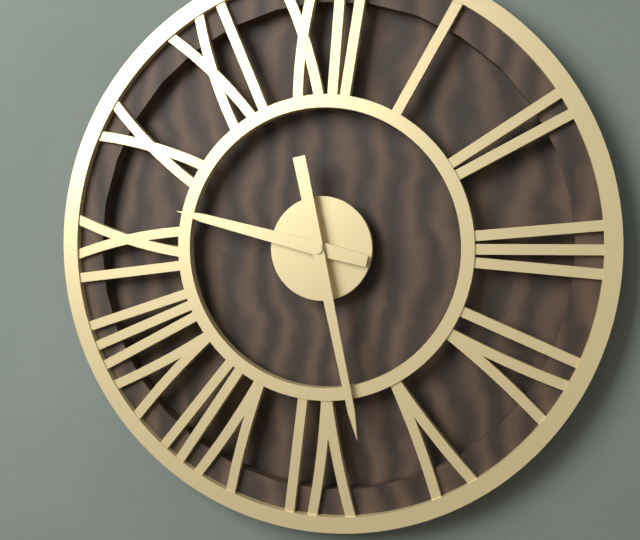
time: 9:28
